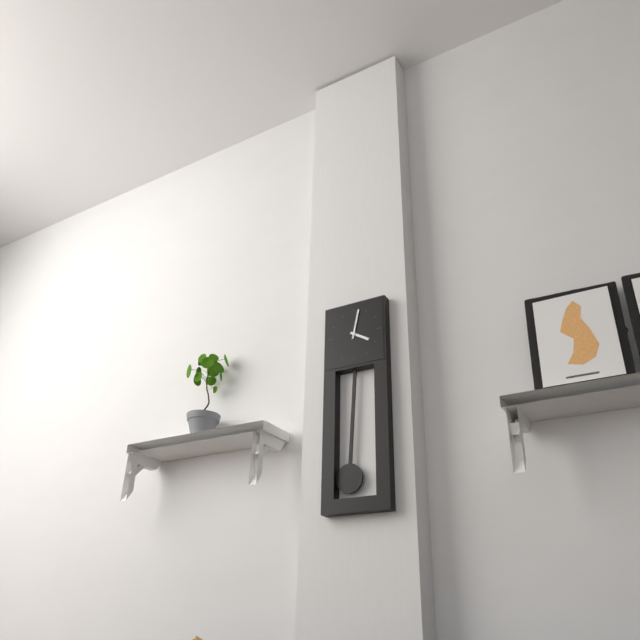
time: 4:02
